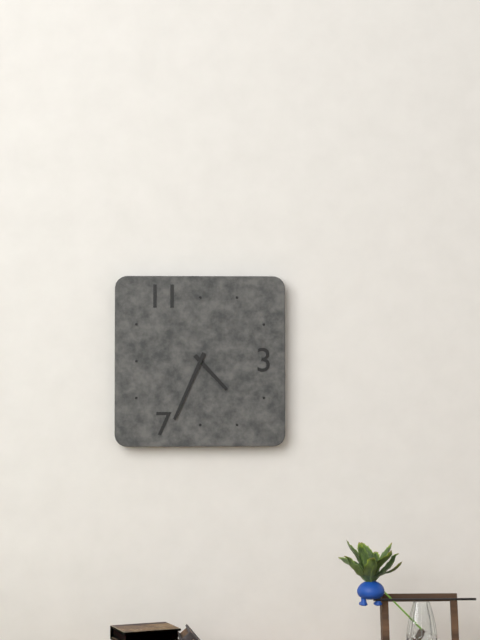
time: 4:34
